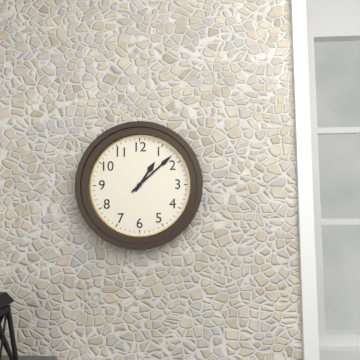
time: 1:08
